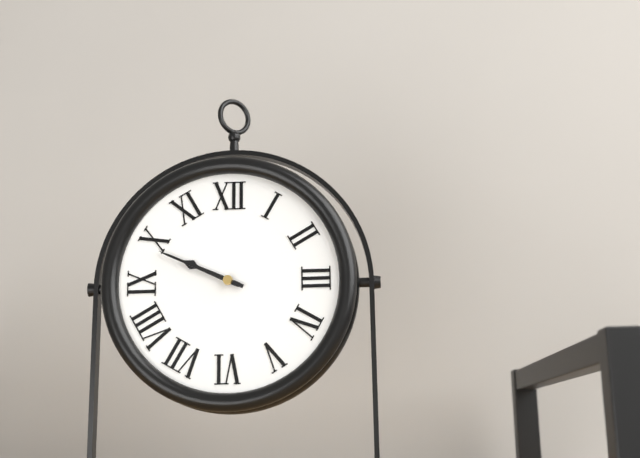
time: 9:49
